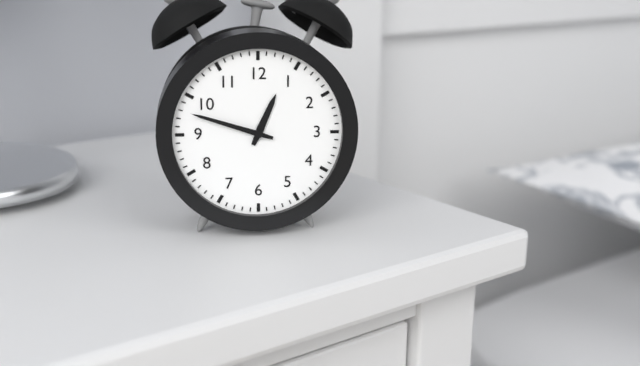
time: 12:48
